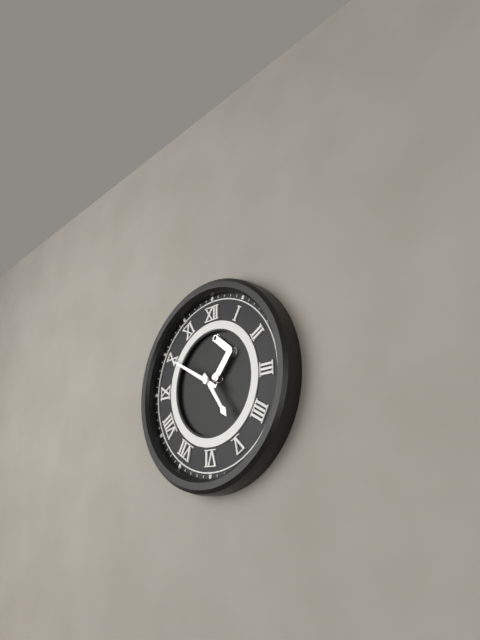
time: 4:50
